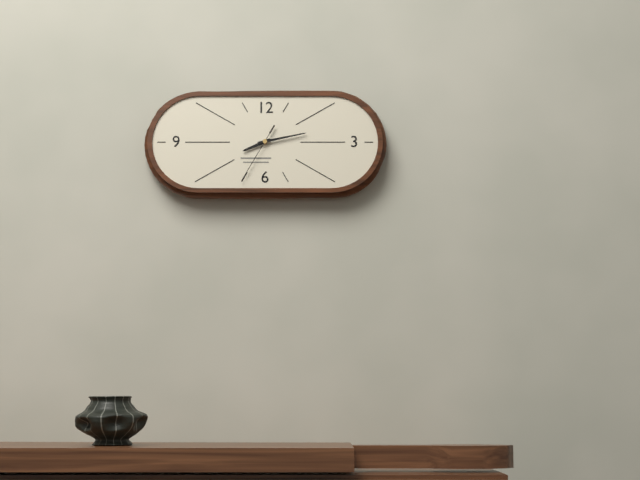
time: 8:13:35
